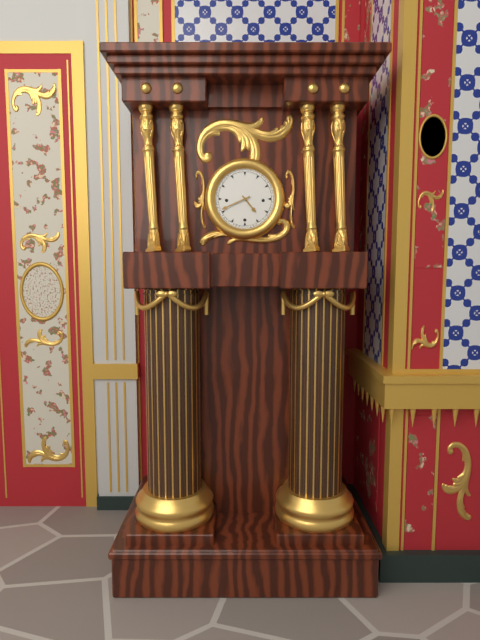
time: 4:41
